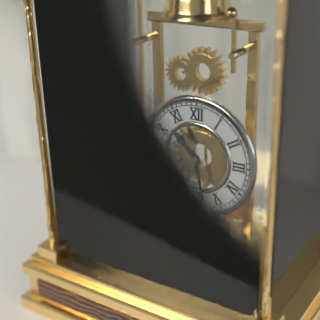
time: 10:28
